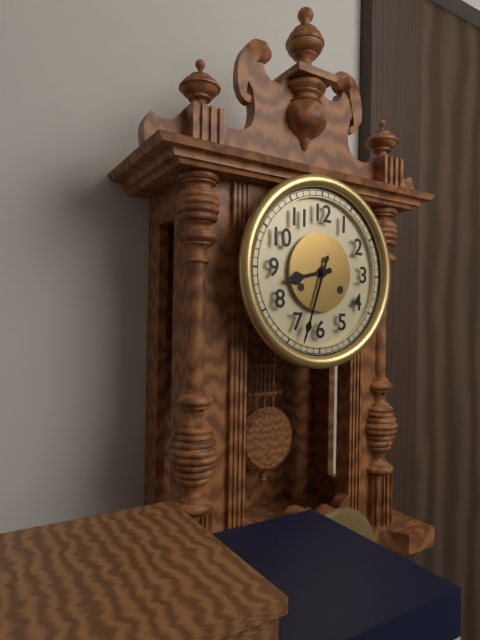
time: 8:33
